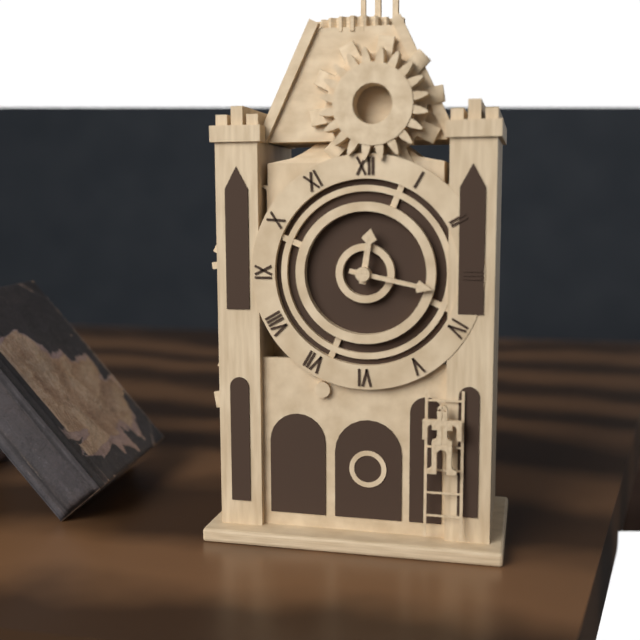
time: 12:17
